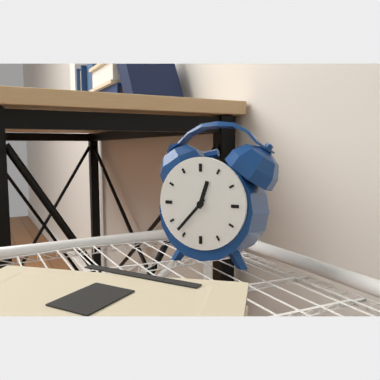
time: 12:37
